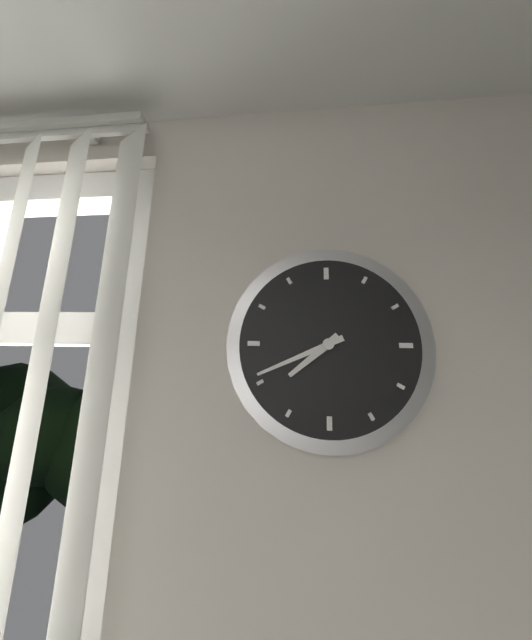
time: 7:41
